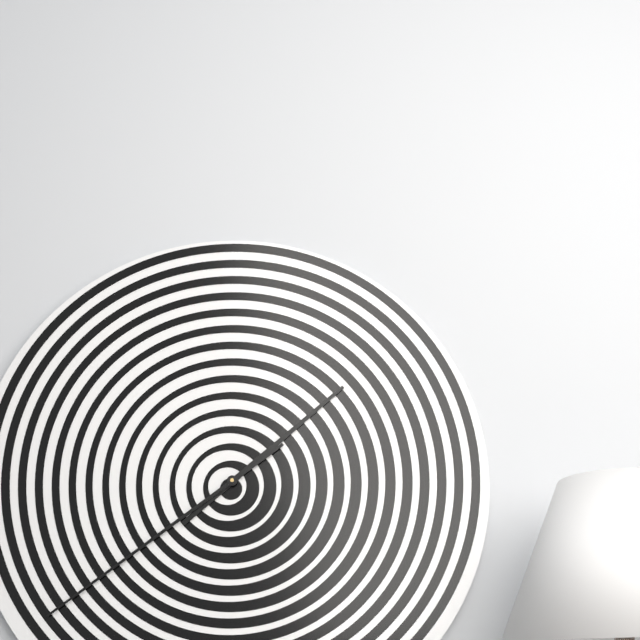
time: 1:39
